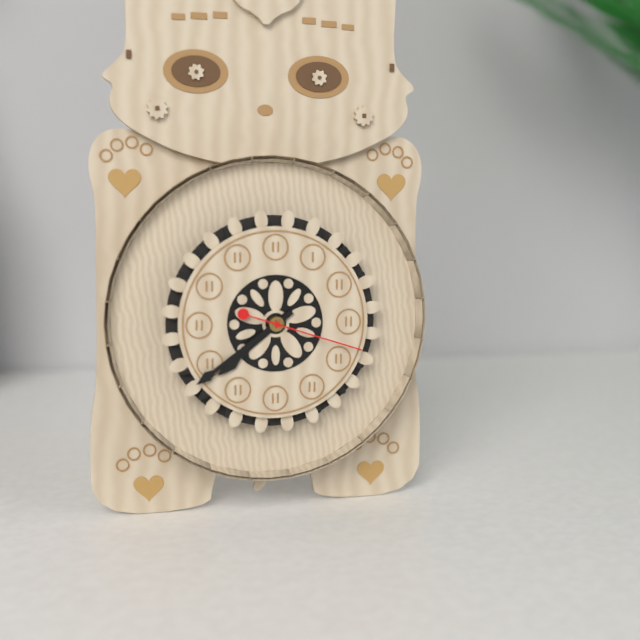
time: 7:39:18
